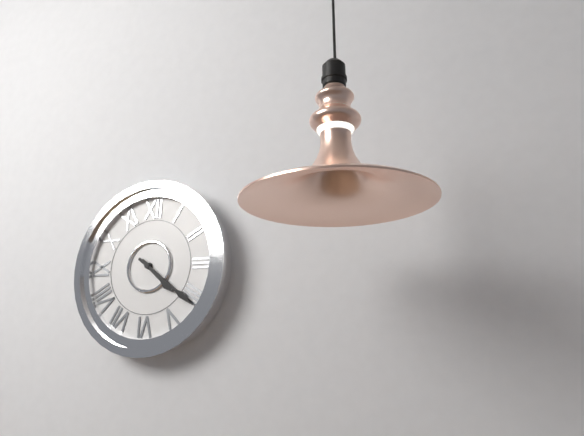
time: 4:21
